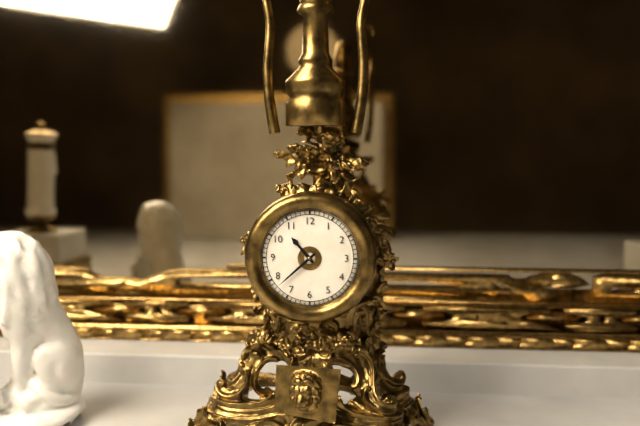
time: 10:38
